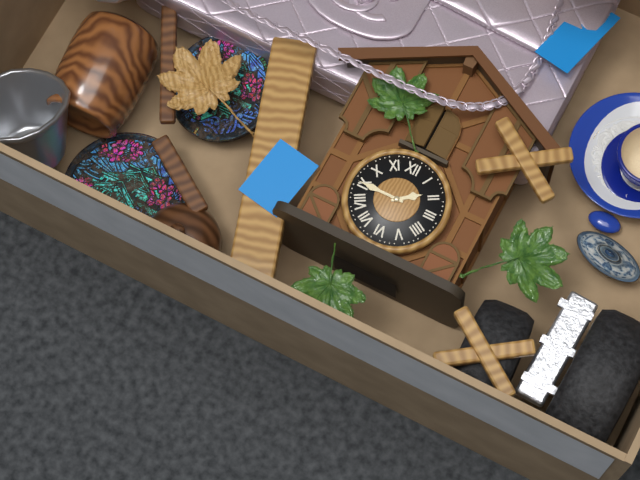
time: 1:45
